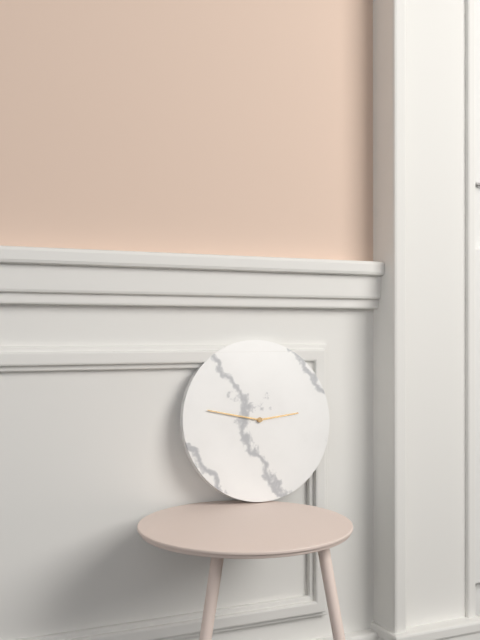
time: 2:47
